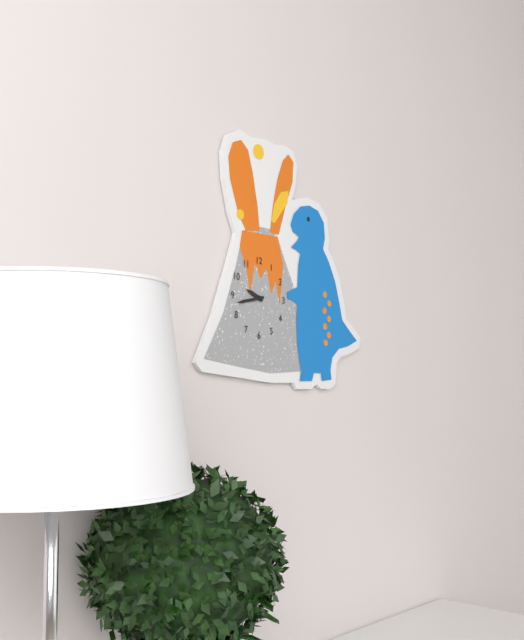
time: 9:43
